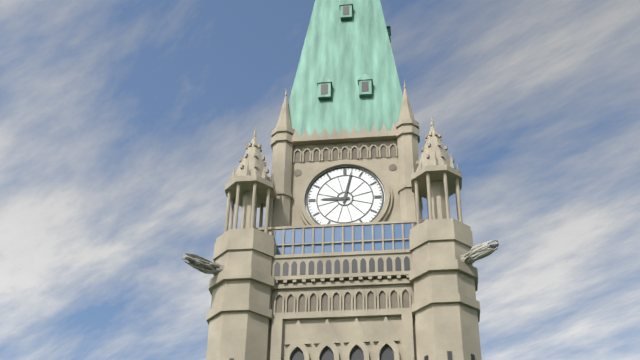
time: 9:02
